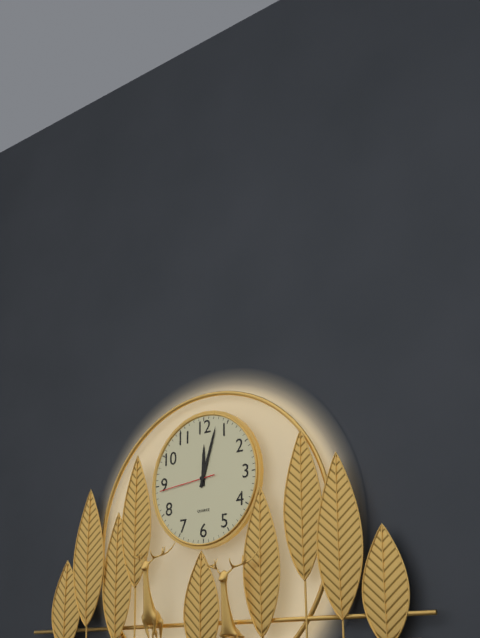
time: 12:03:44
